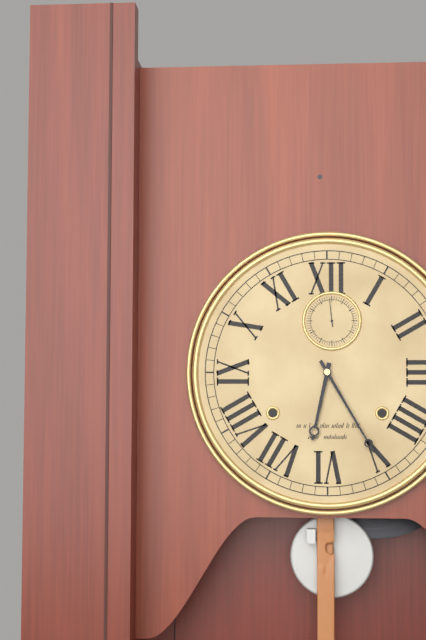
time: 6:25
